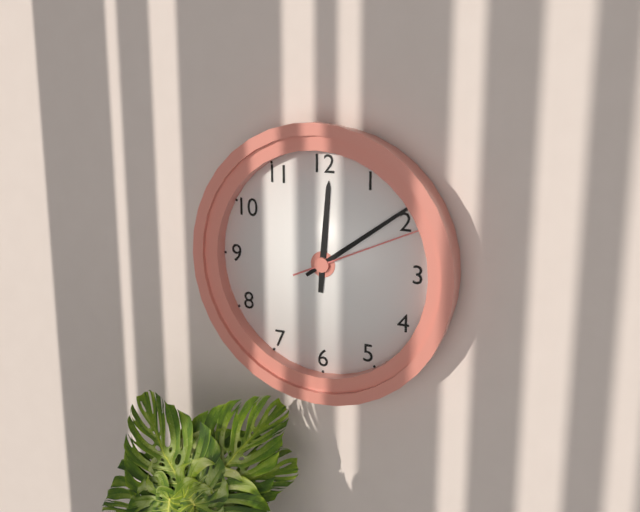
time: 12:09:11
